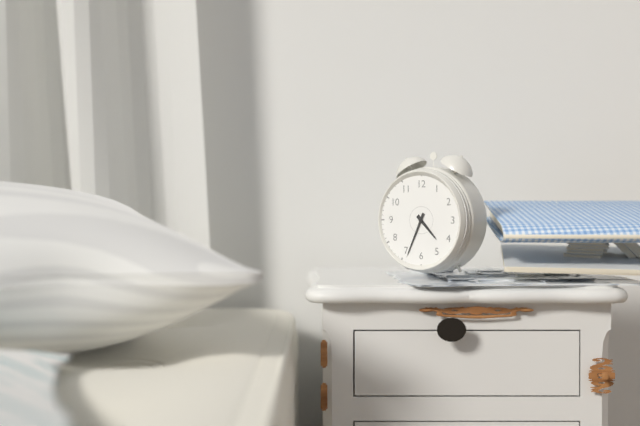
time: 4:34
